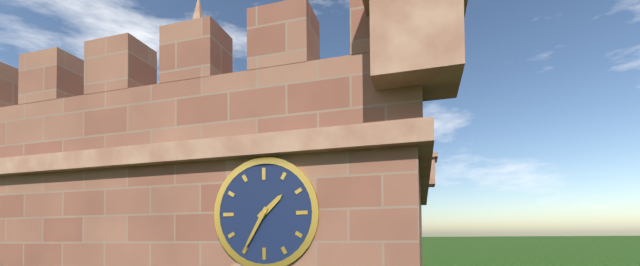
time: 1:35
